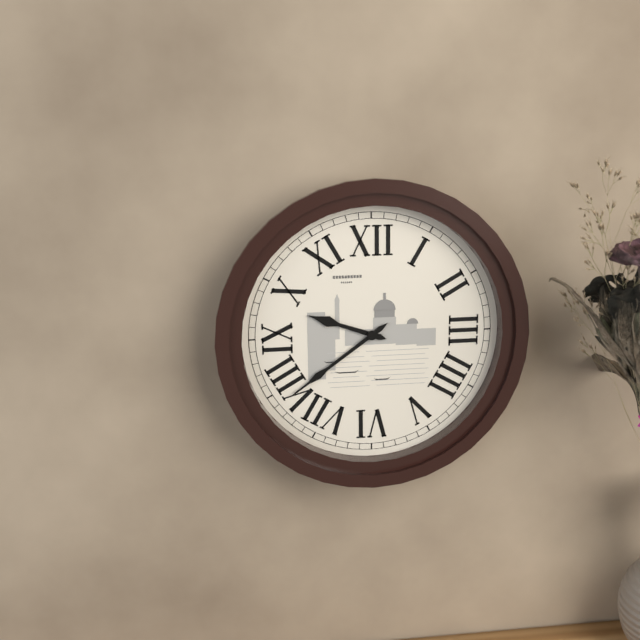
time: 9:39
